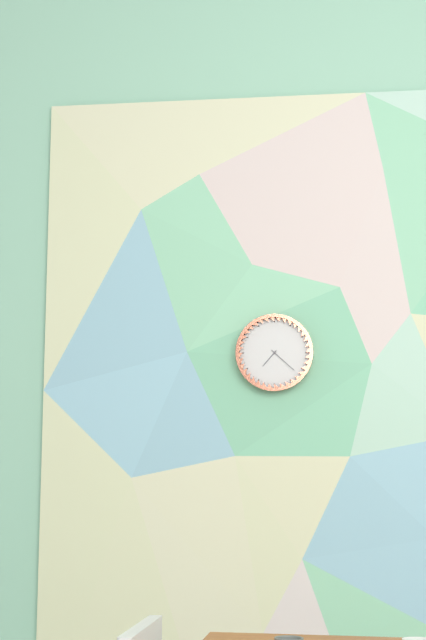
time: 7:22
